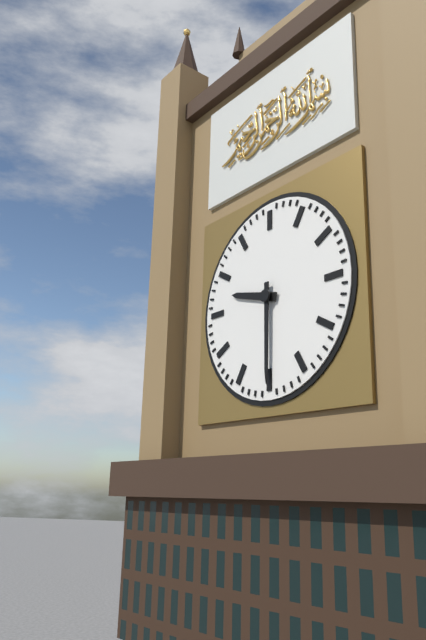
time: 9:30
